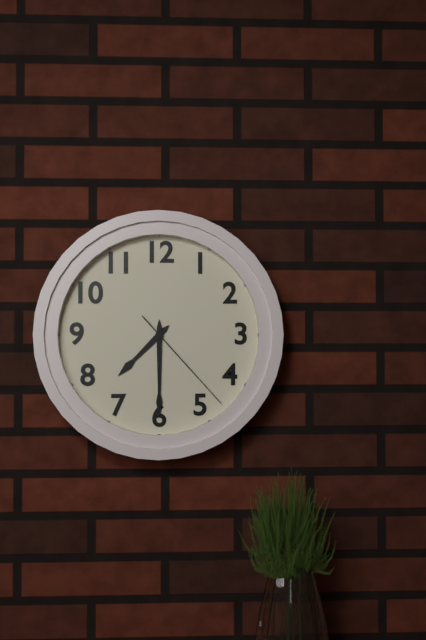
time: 7:30:23
